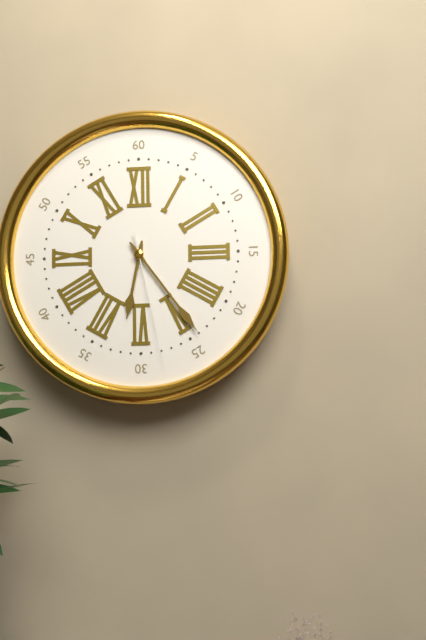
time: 6:24:28
